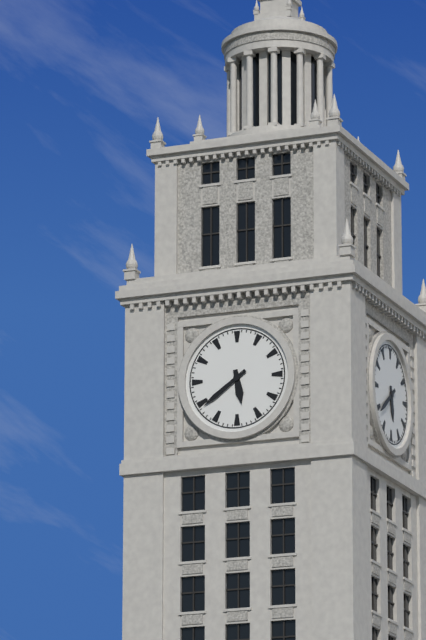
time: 5:39
